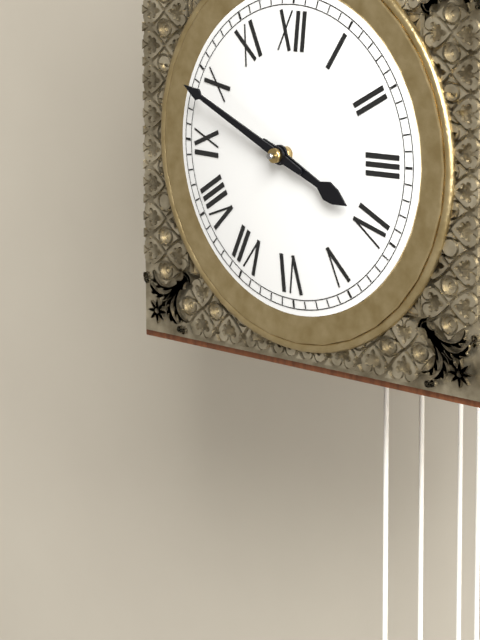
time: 3:49
